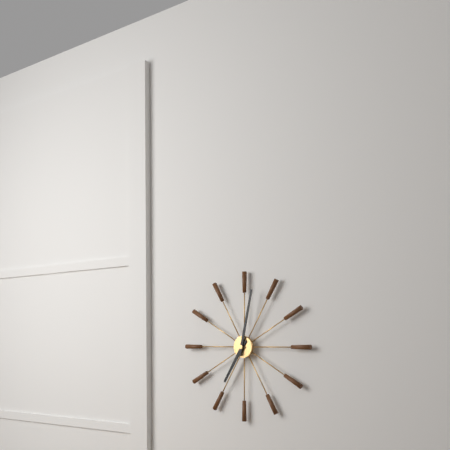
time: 7:02
